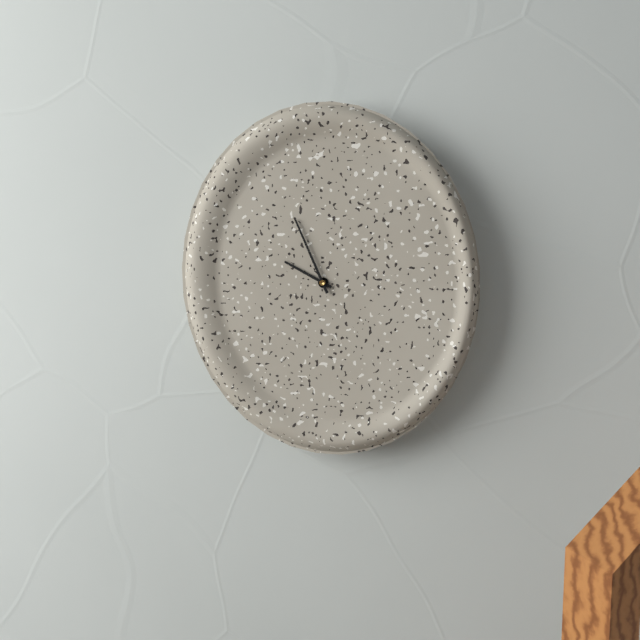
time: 9:56
